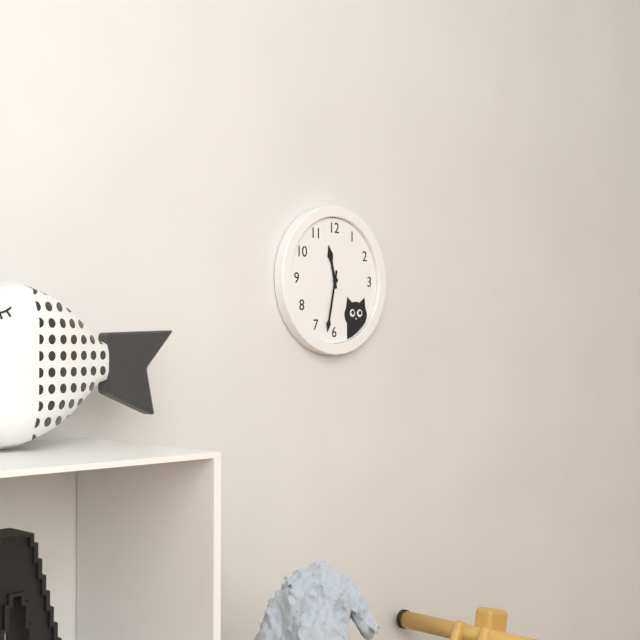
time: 11:32
